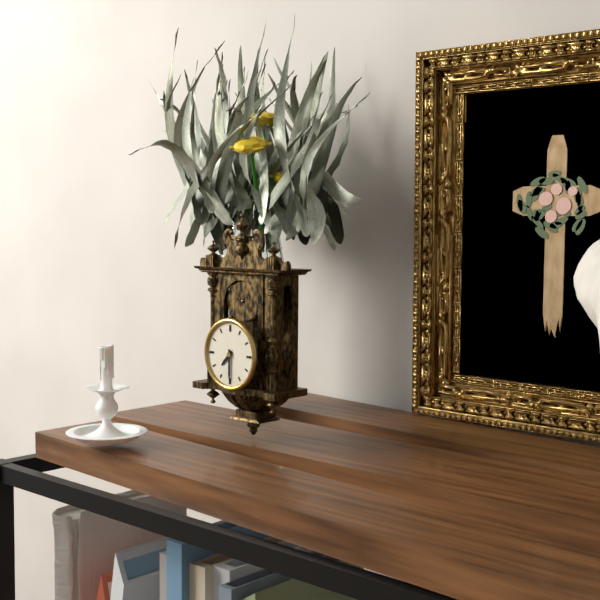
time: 7:30
